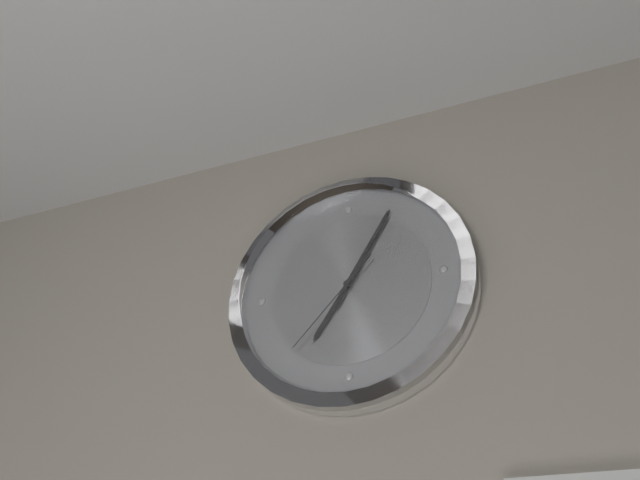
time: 7:05:37
